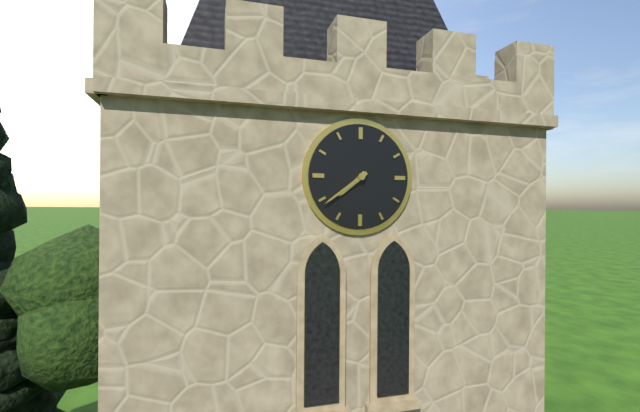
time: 7:39
